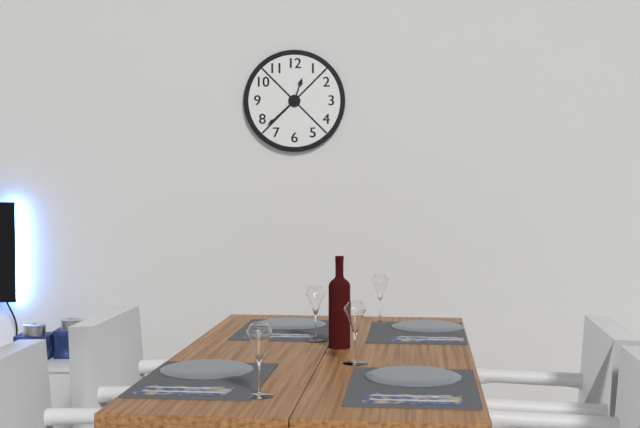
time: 12:38
